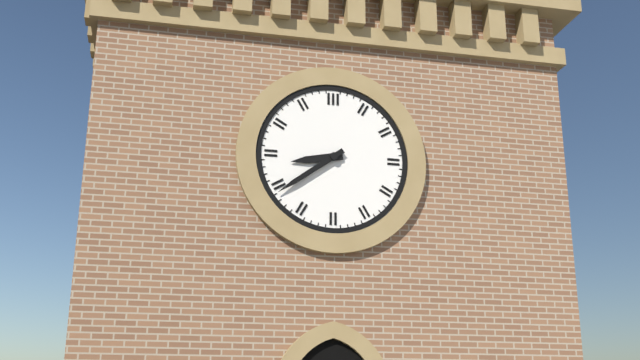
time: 8:39
